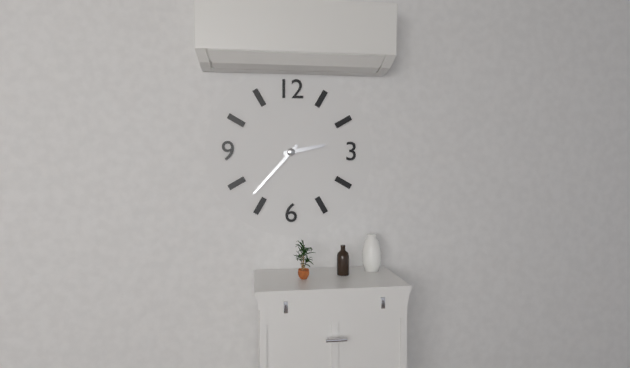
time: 2:37
